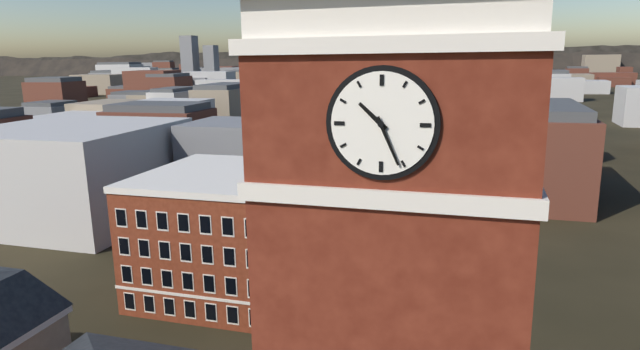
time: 10:26
